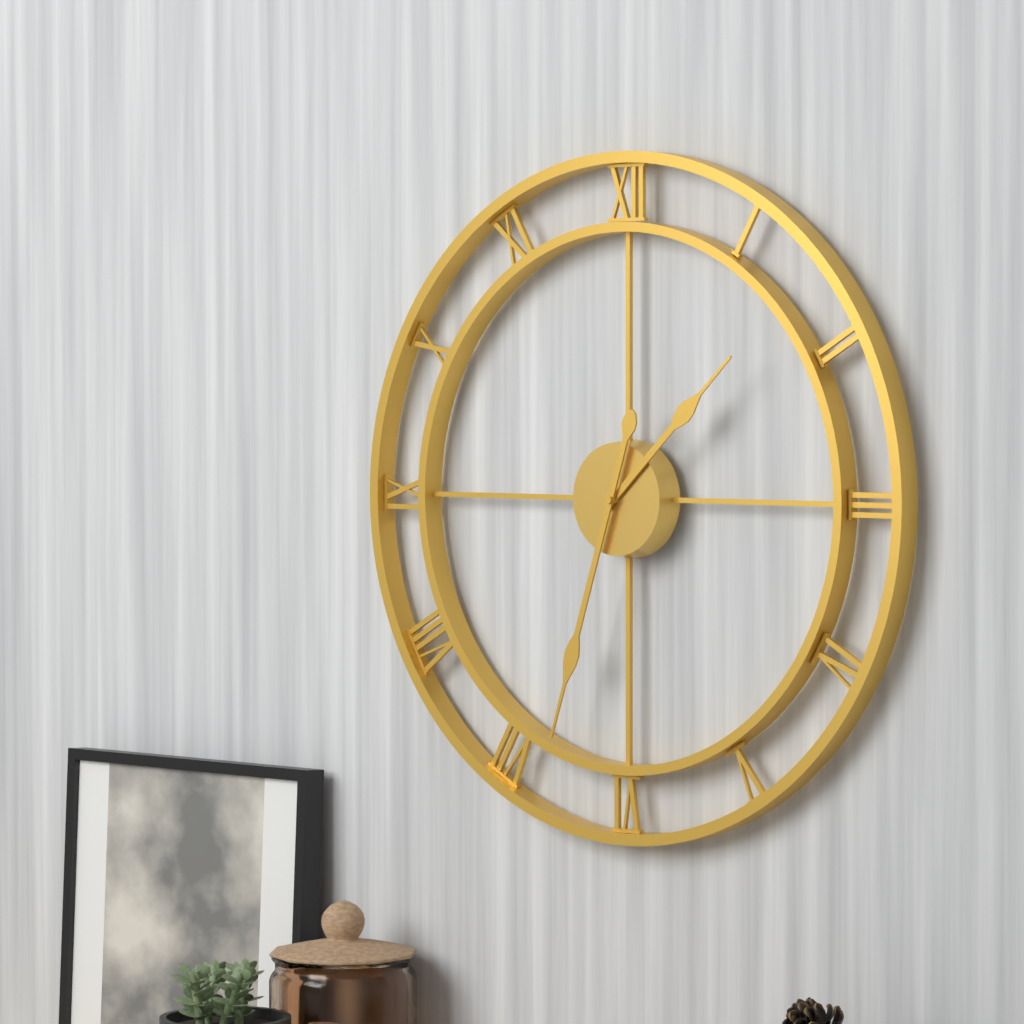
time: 1:33
